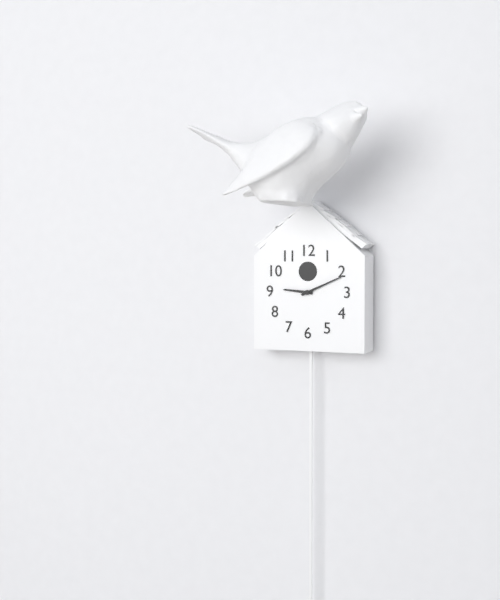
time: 9:11
